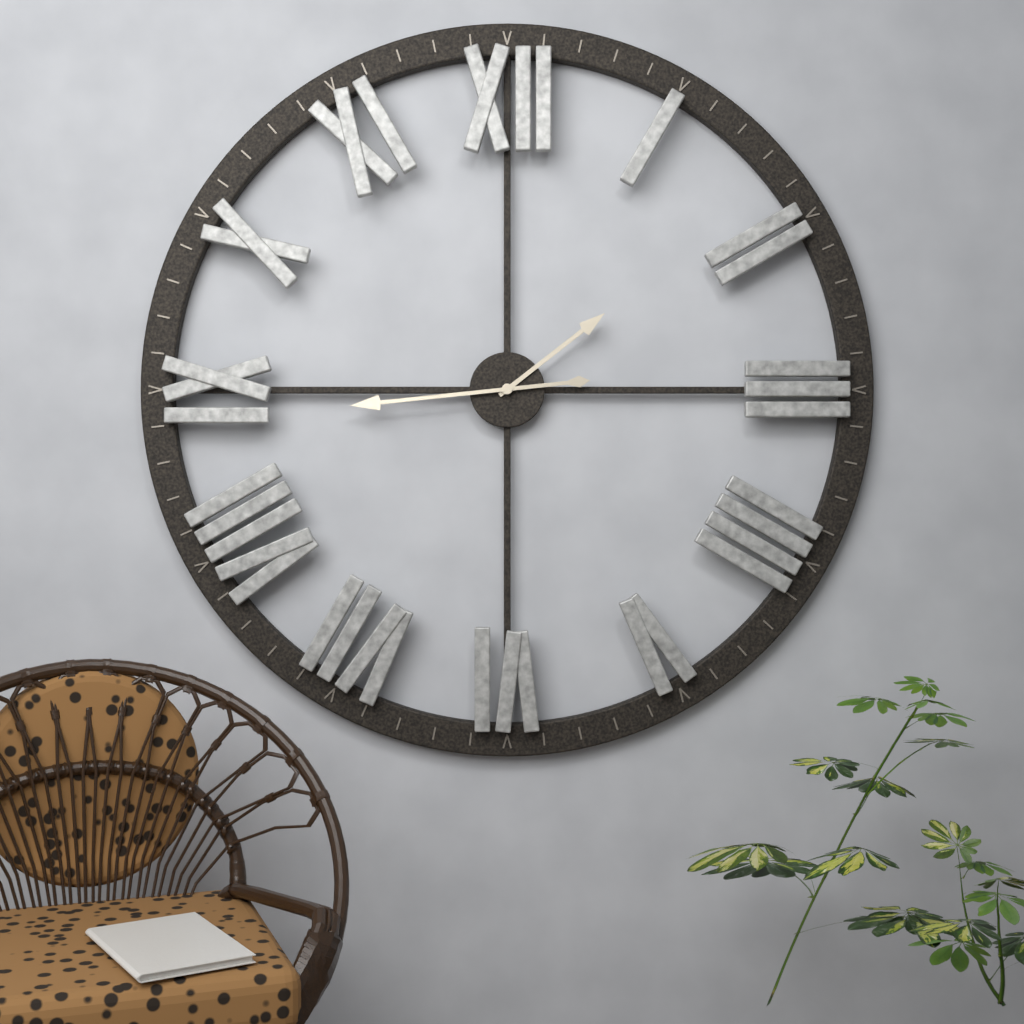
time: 1:44
